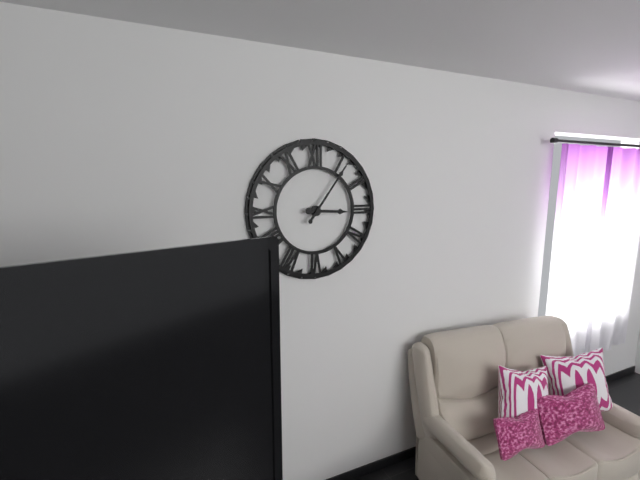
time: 3:06
